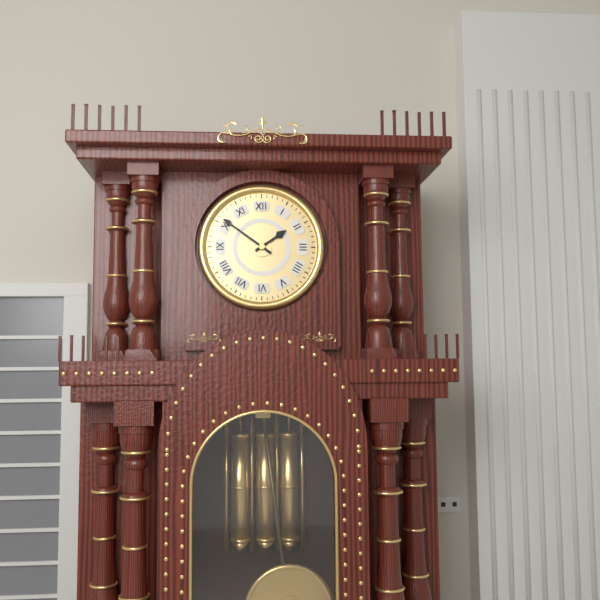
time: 1:51
